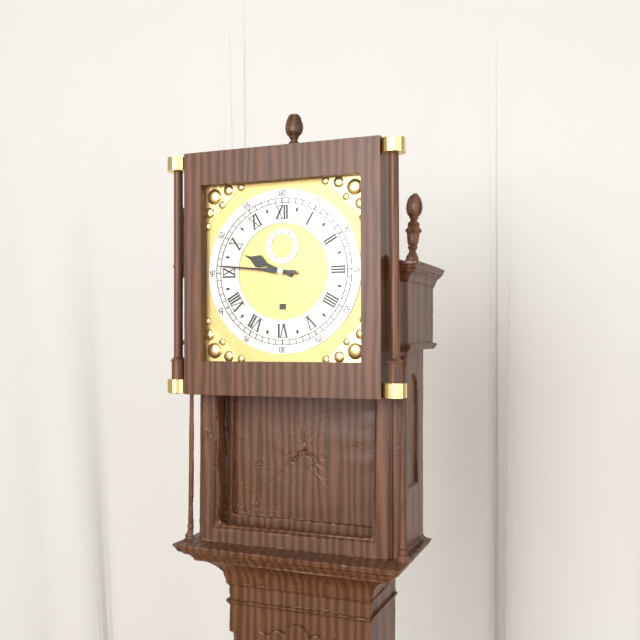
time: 9:46
